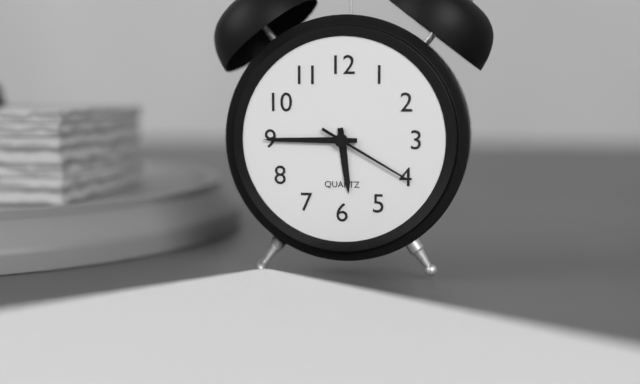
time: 5:45:20
